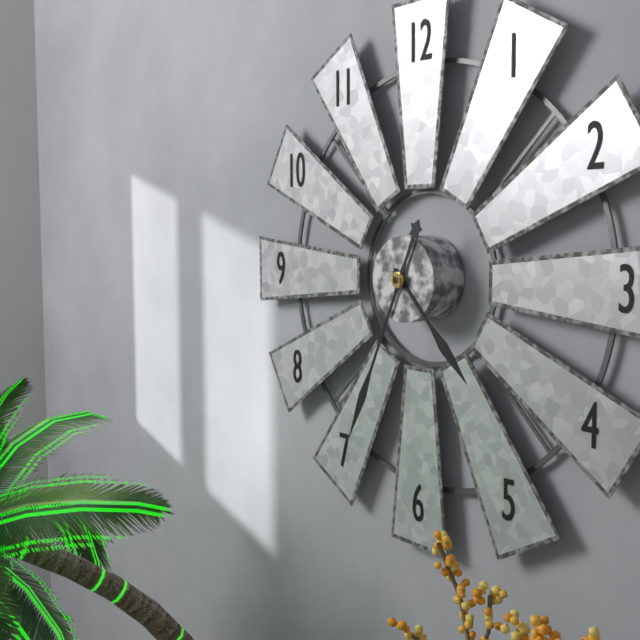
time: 4:34
